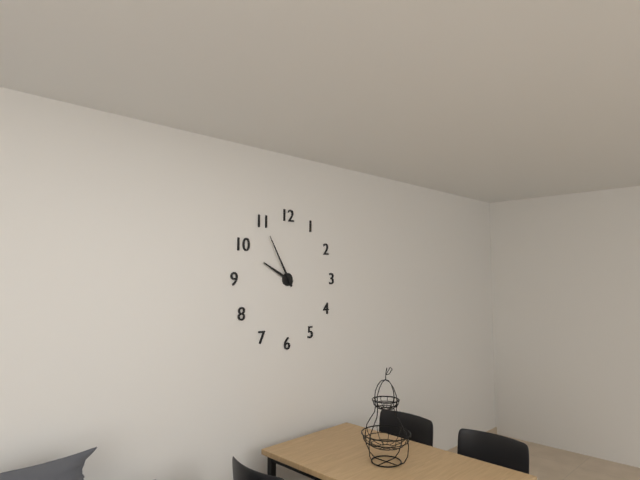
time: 9:55
